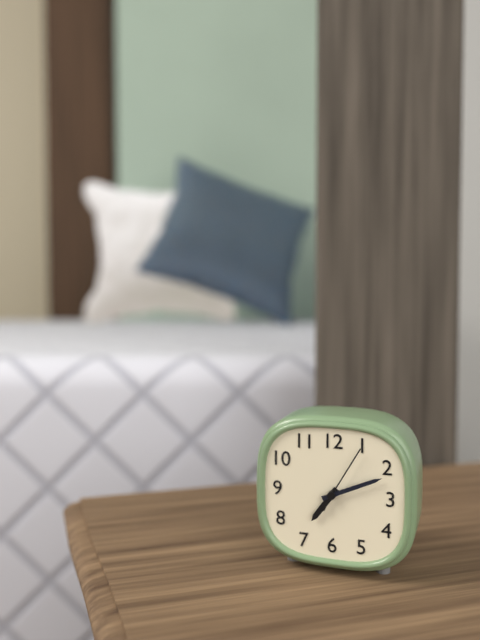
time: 7:11:05
